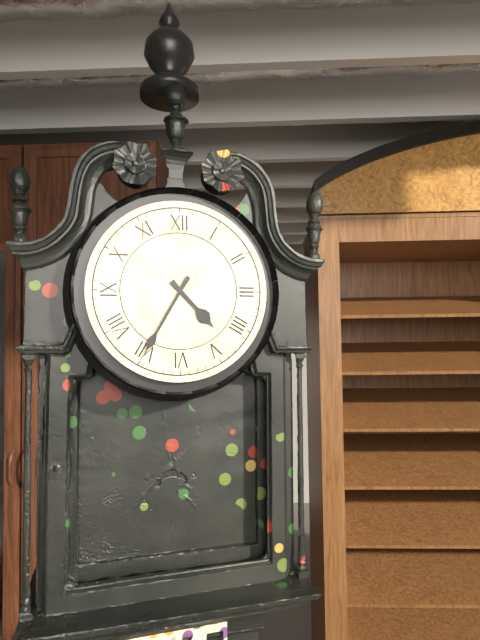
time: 4:35
